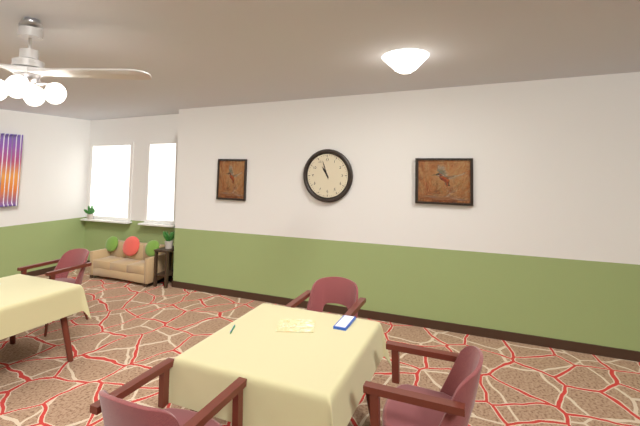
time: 10:57
